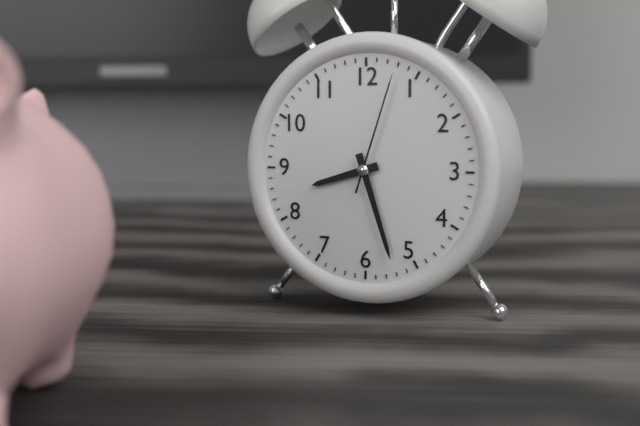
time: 8:27:03
